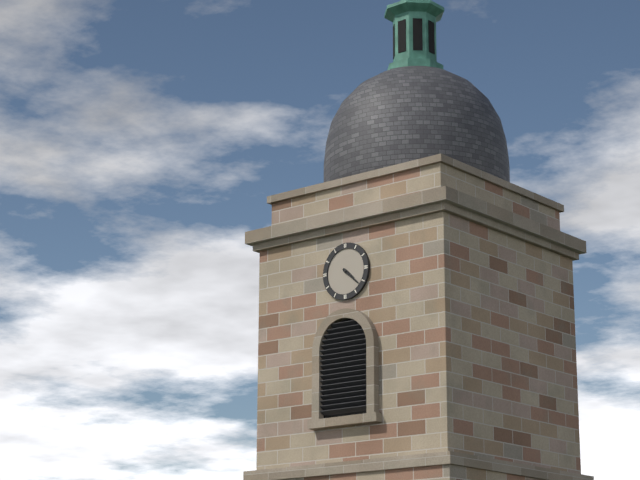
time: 4:22
